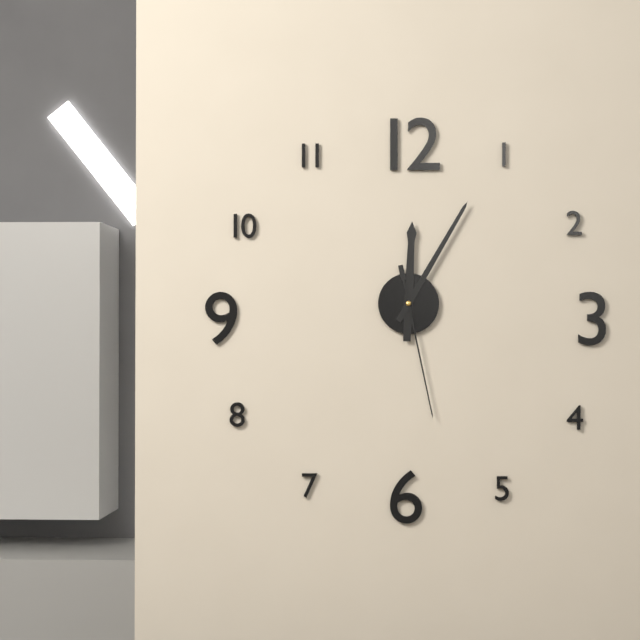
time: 12:05:28
